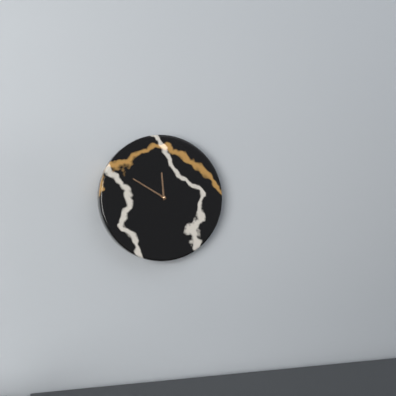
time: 11:50
